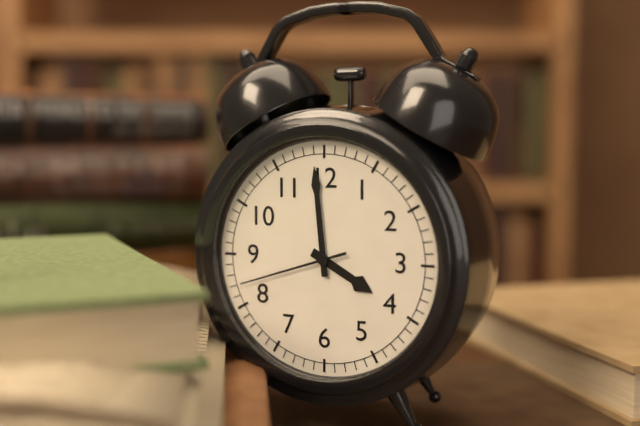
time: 3:59:42
